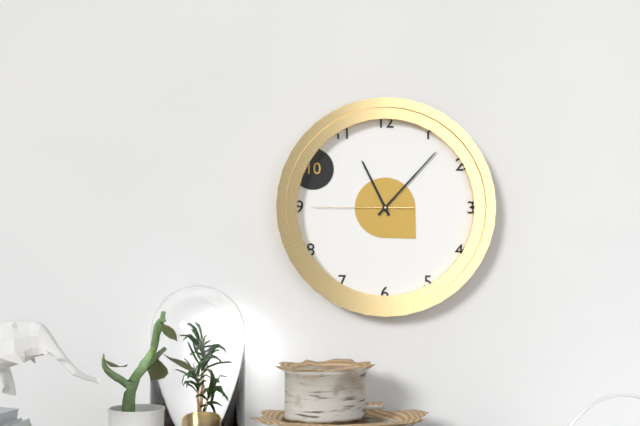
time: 11:07:45
